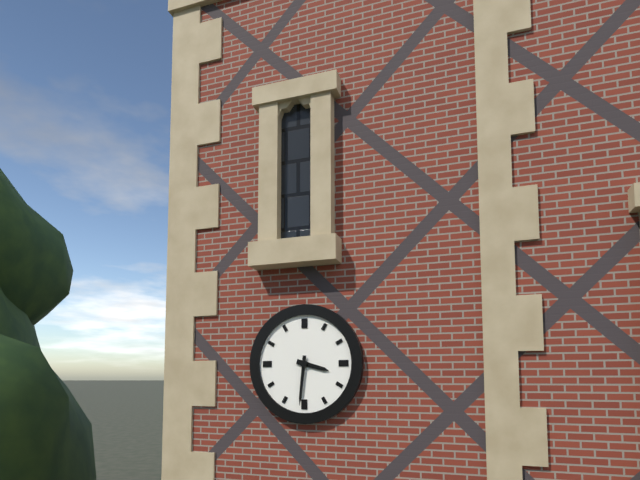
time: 3:31
